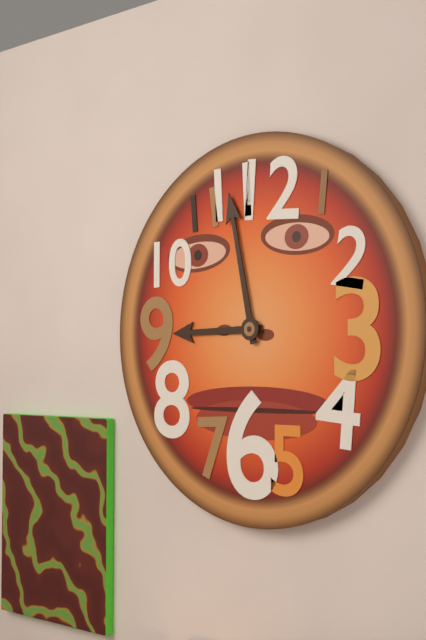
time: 8:58
